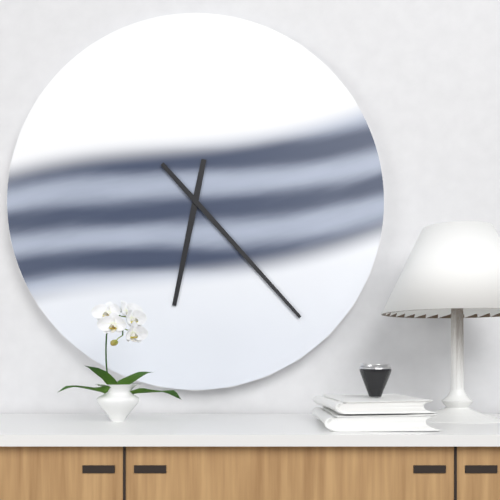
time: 6:23
